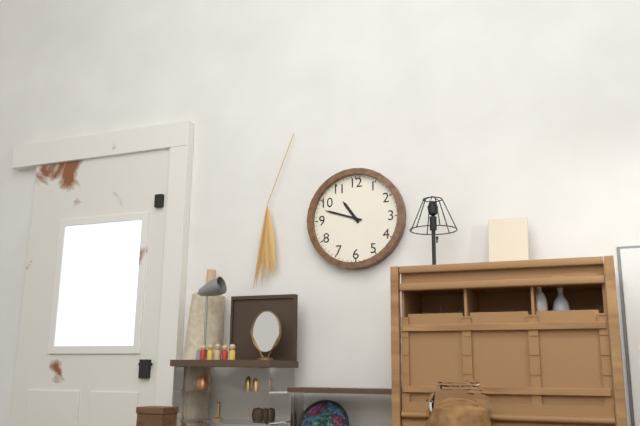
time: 10:48
